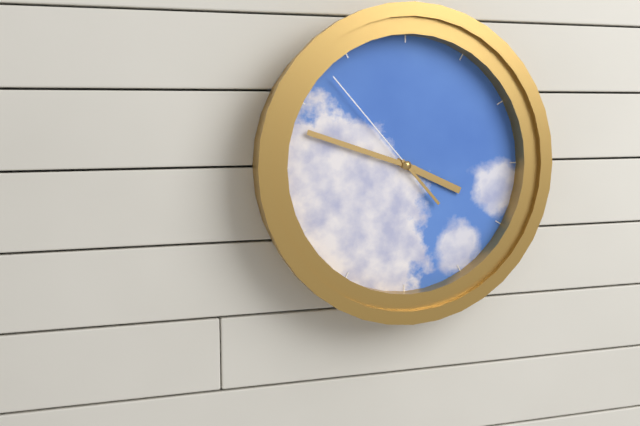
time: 3:48:53
